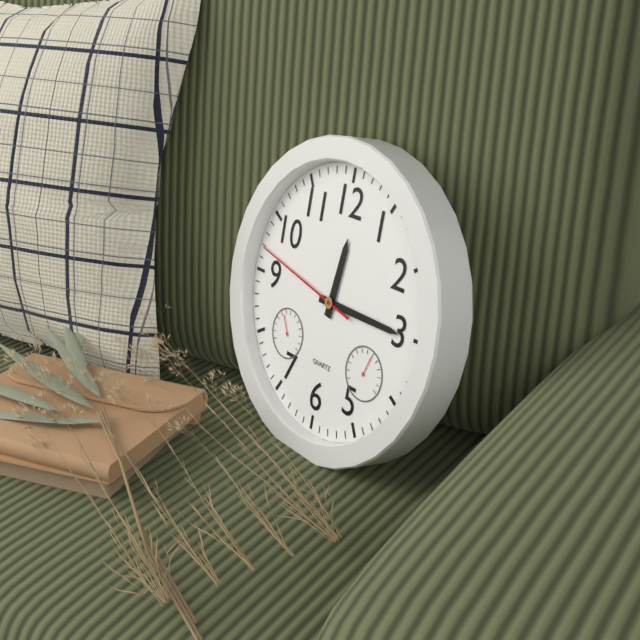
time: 12:15:47
